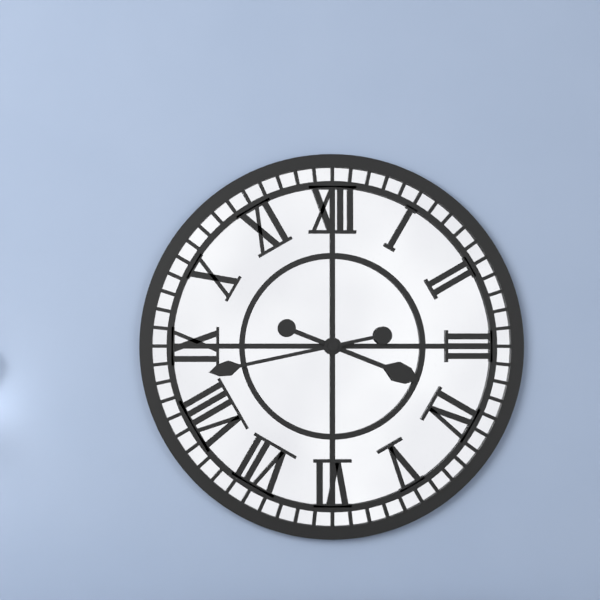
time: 3:43
